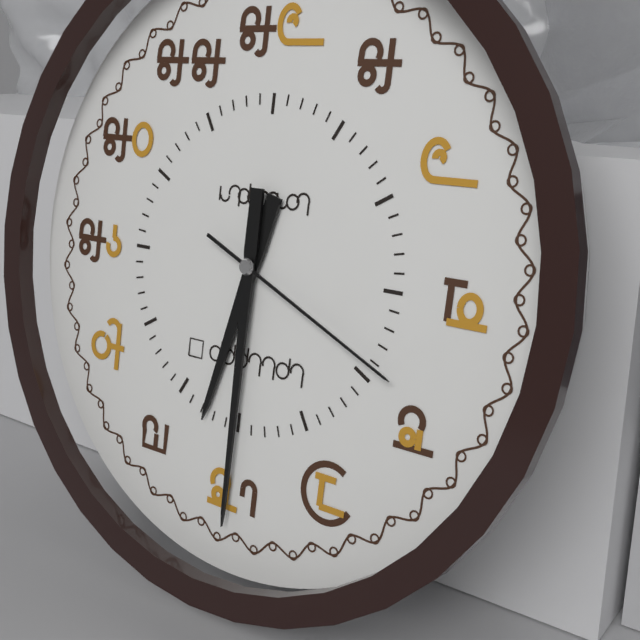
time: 6:30:19
